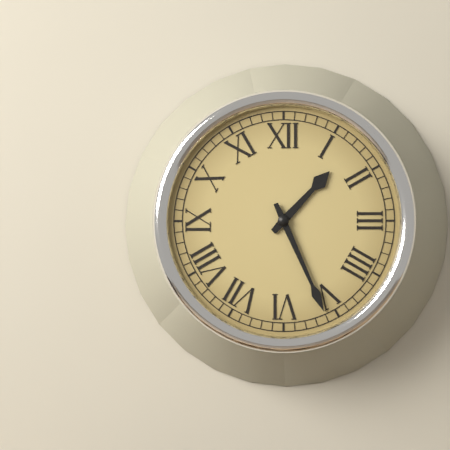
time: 1:26
